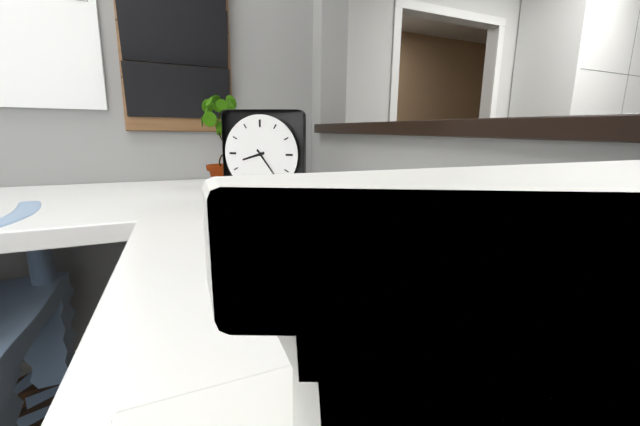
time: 8:24
